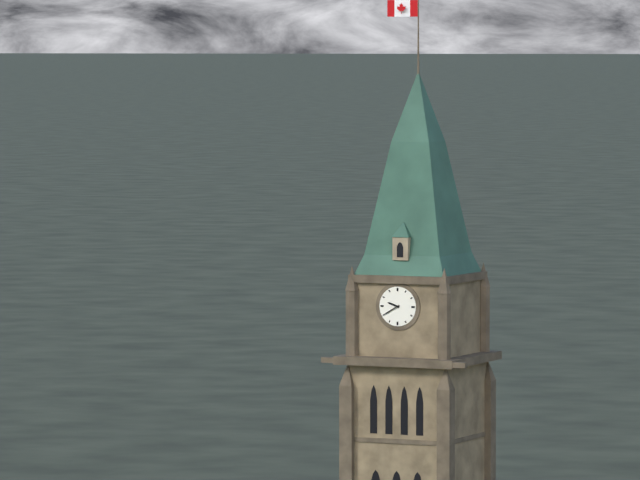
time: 9:40
